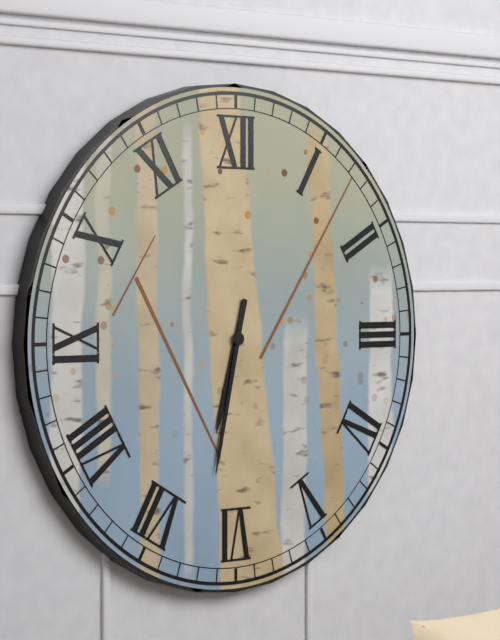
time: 6:32
